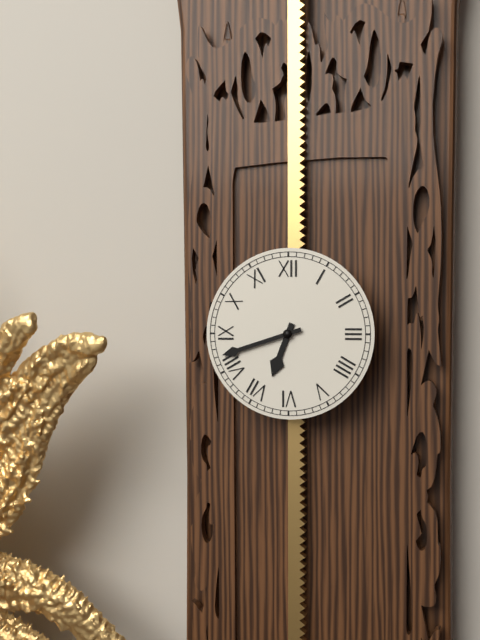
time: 6:42
